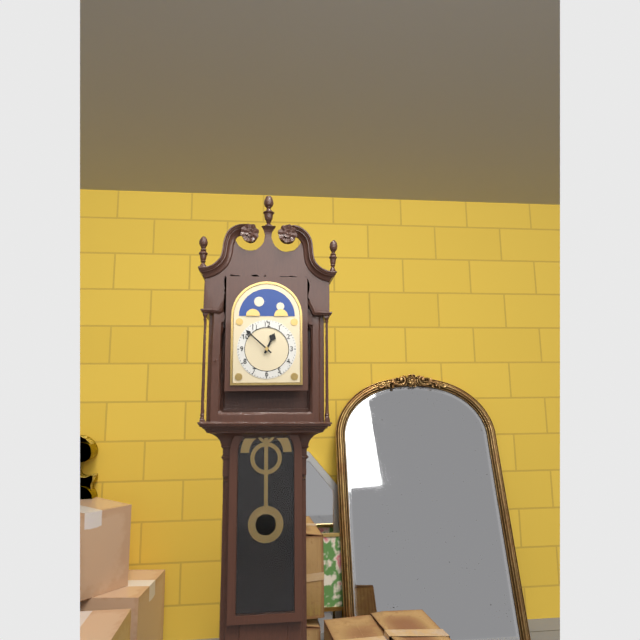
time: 12:52
